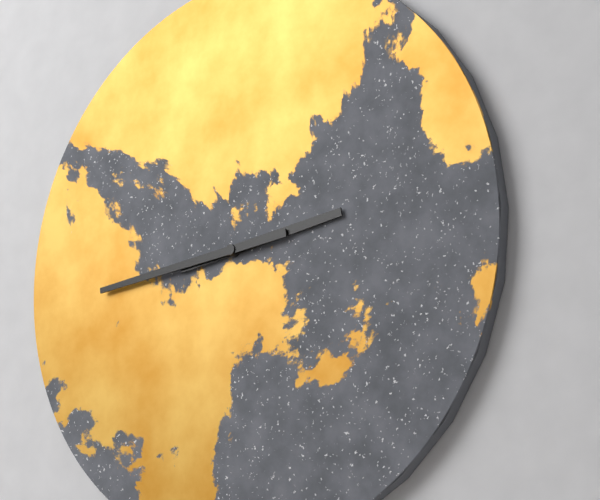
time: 2:44
